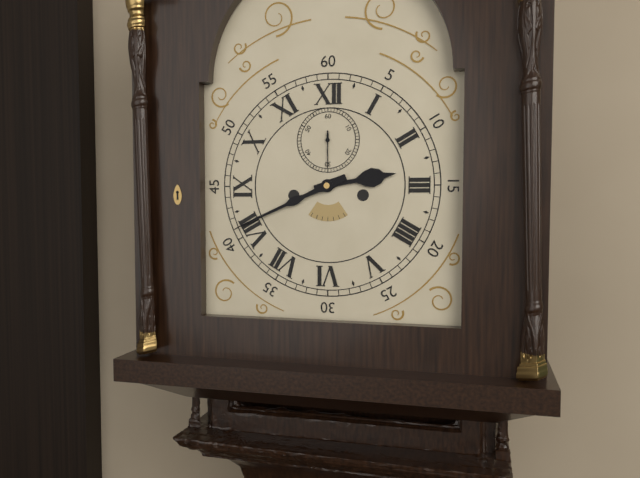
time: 2:41
